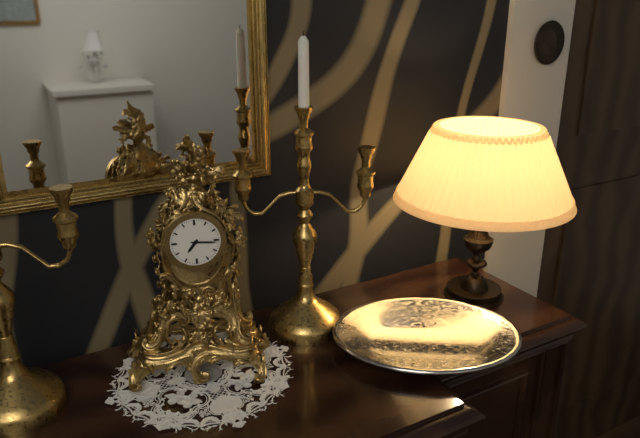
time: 7:16
